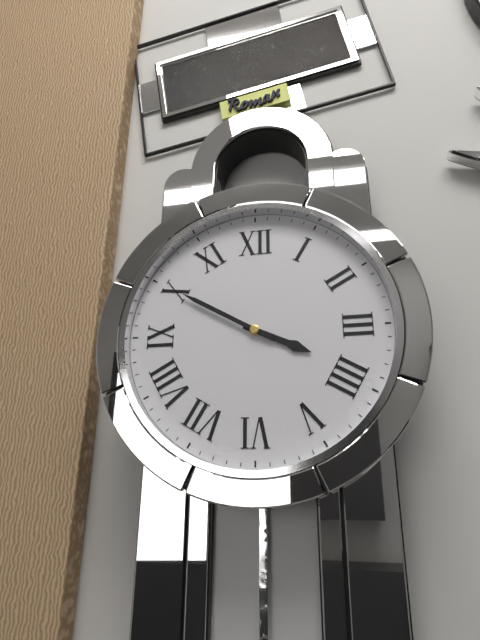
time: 3:50
